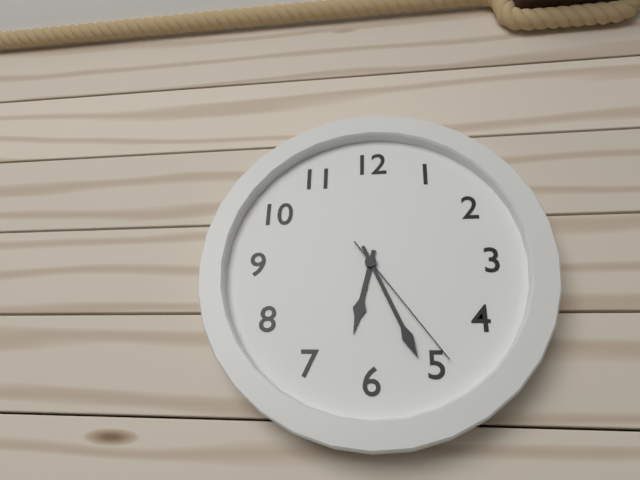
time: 6:26:24
